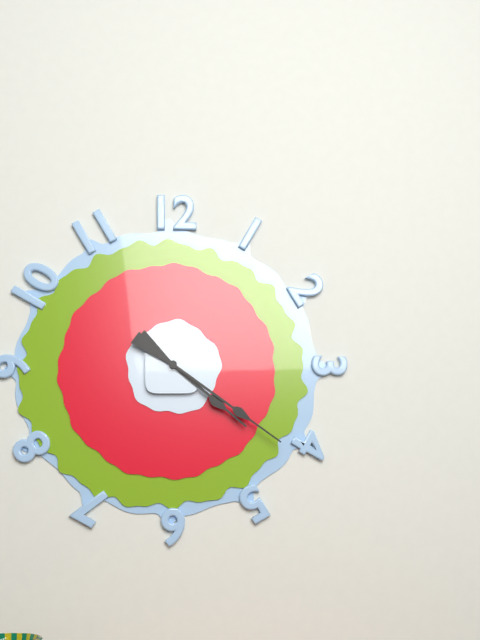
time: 4:21
